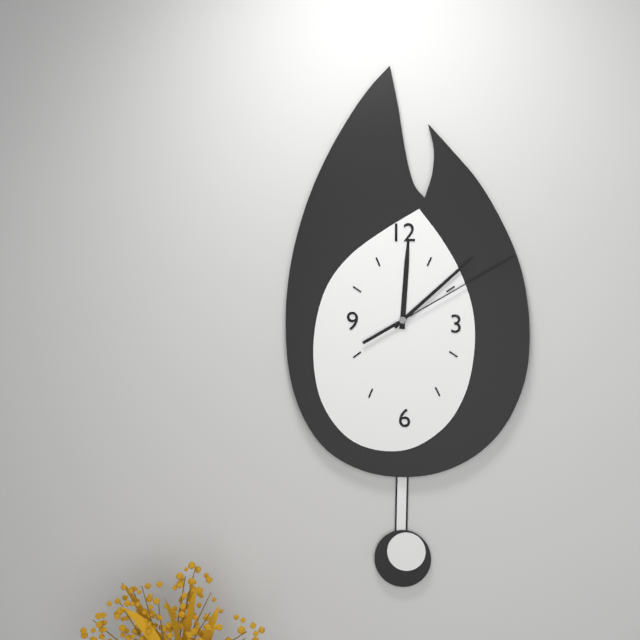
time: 12:08:10
